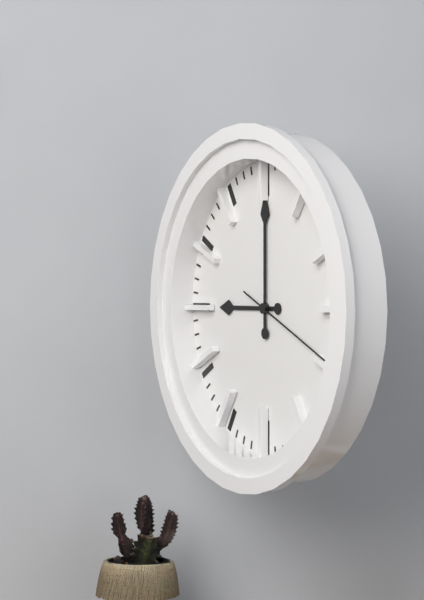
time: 9:00:19
